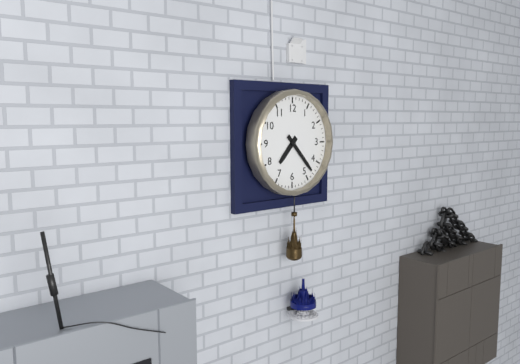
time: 7:23
